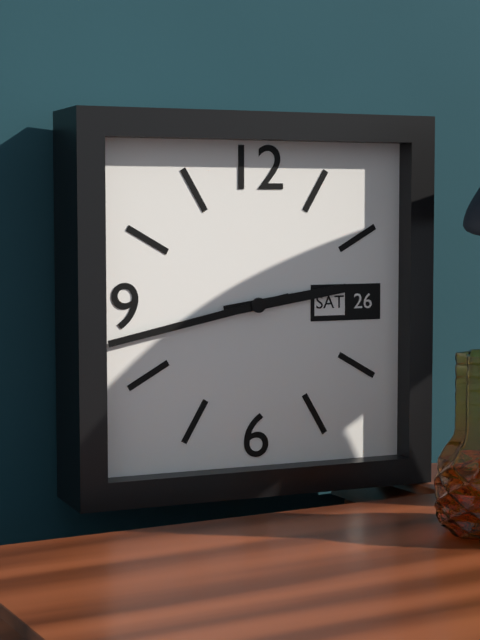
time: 2:43
